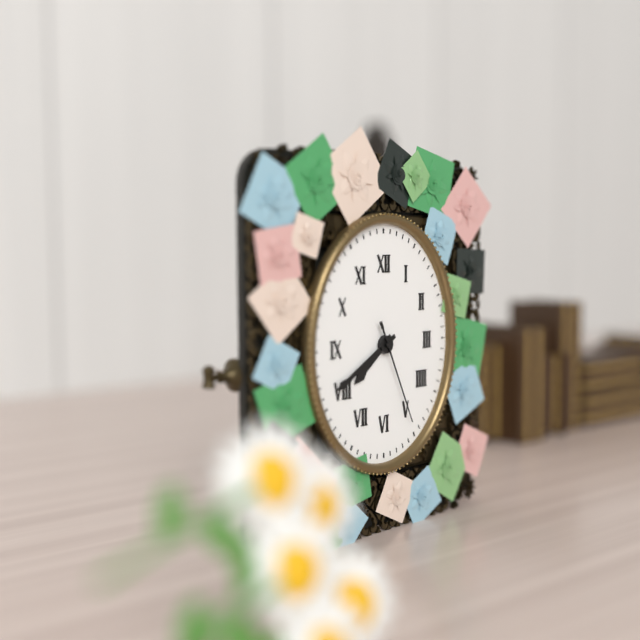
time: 7:40:26
